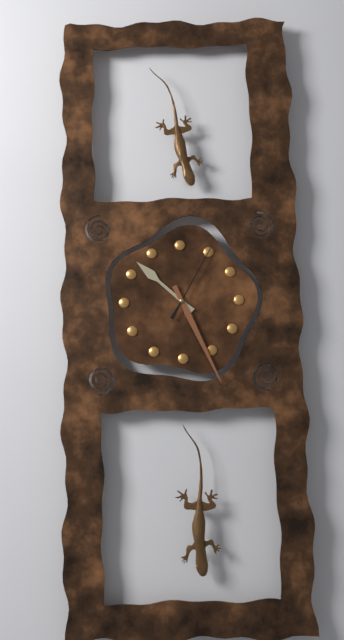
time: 10:26:05
